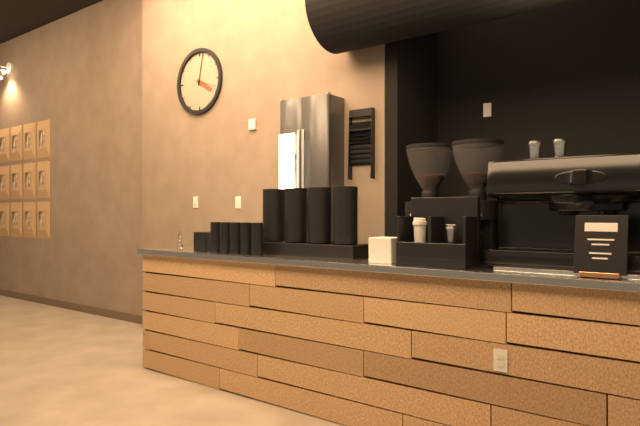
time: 4:02
